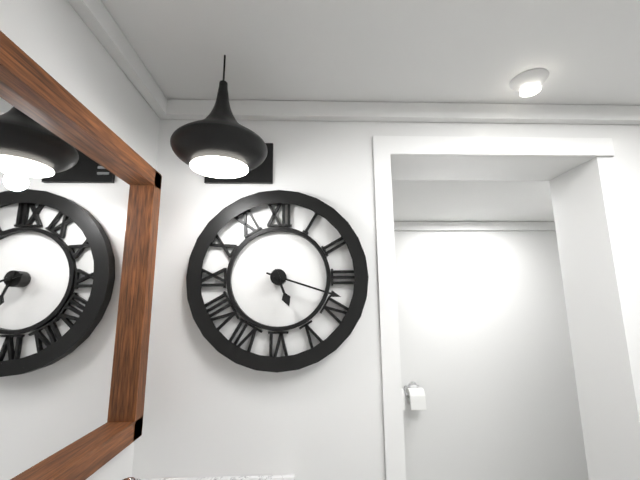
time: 5:18
